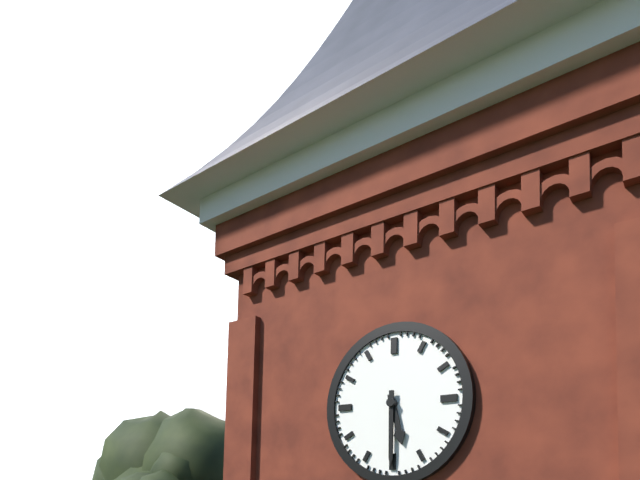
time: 5:30
